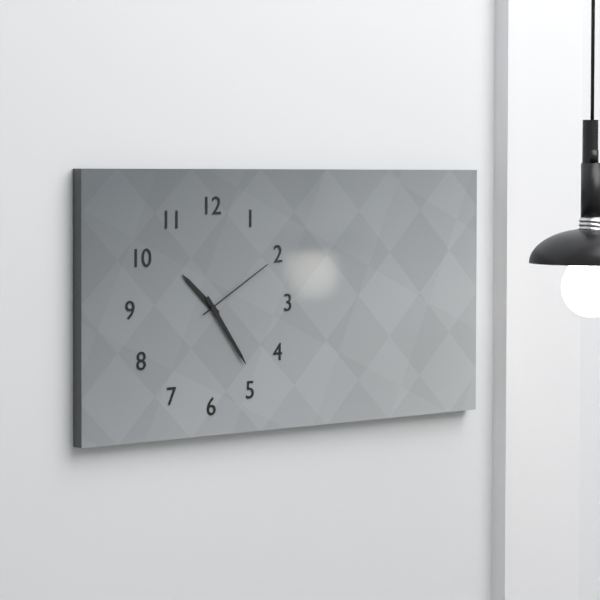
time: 10:24:10
